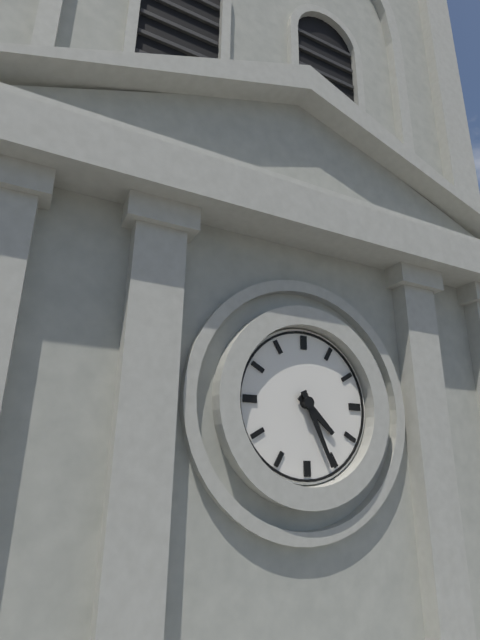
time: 4:26
